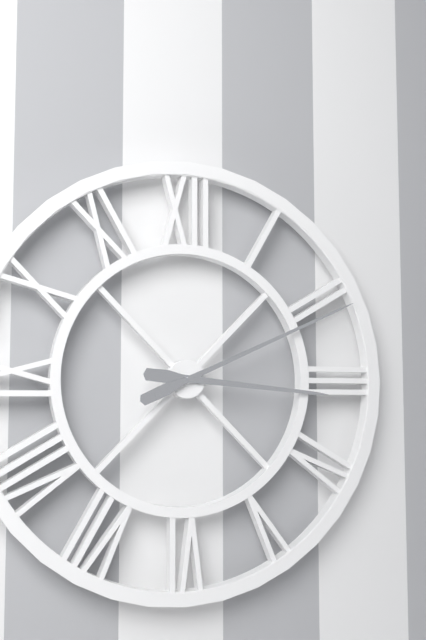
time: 3:11
